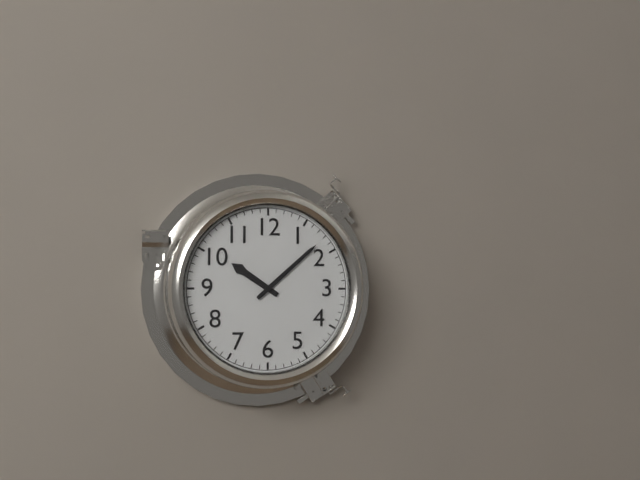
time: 10:08
